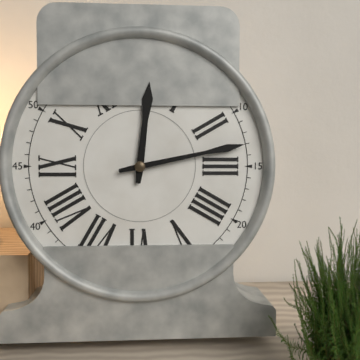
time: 12:13
